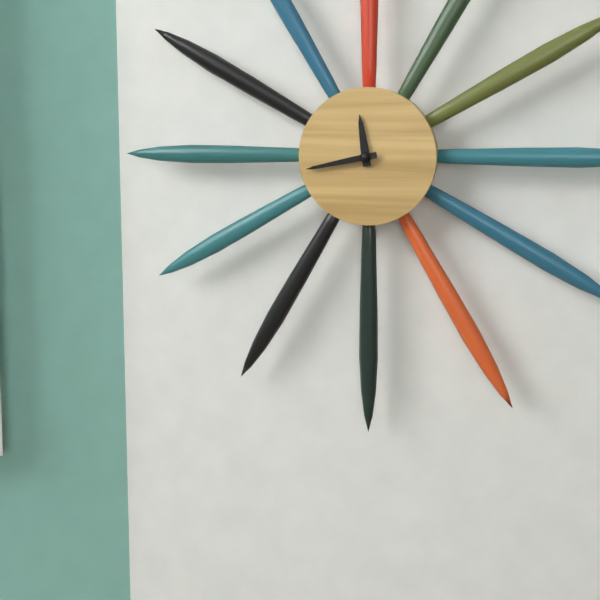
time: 11:43
